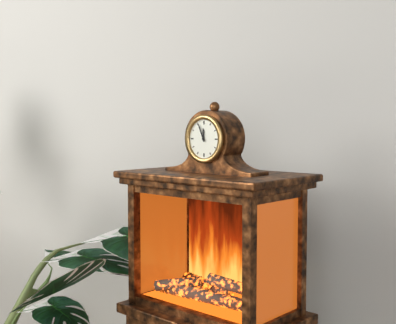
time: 11:56
